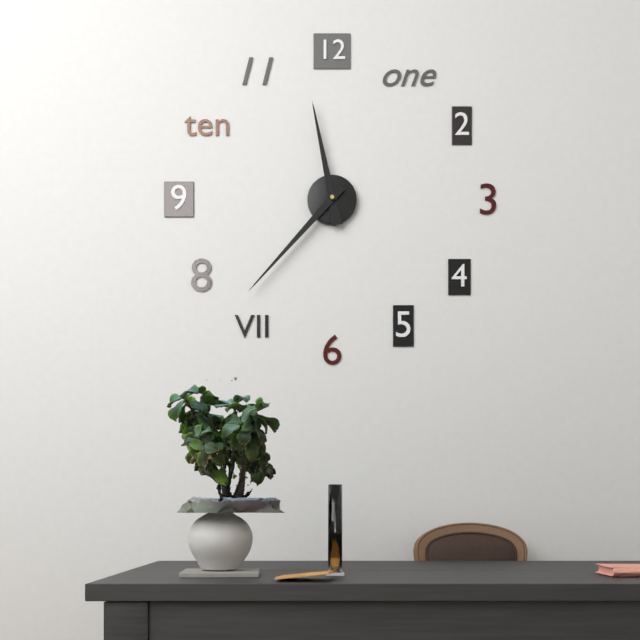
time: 11:37
